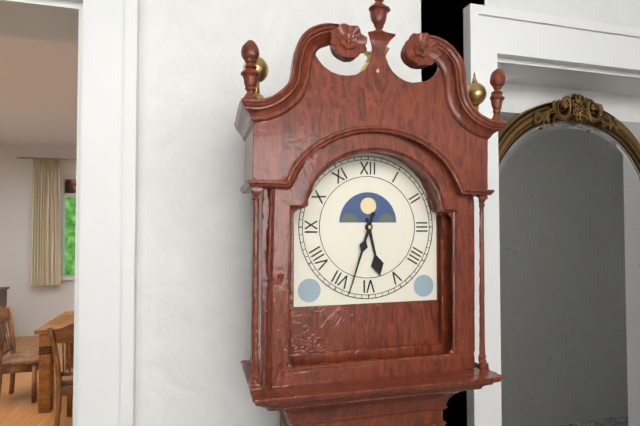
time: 5:33
